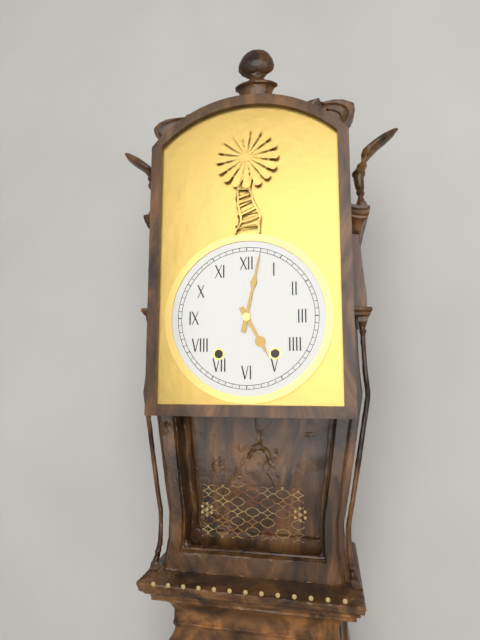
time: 5:02
